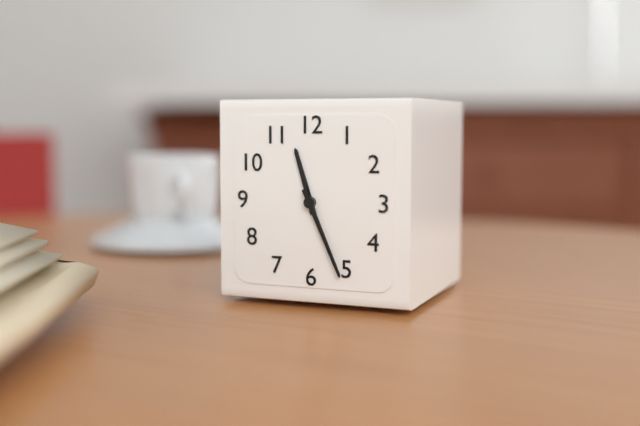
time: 11:26
